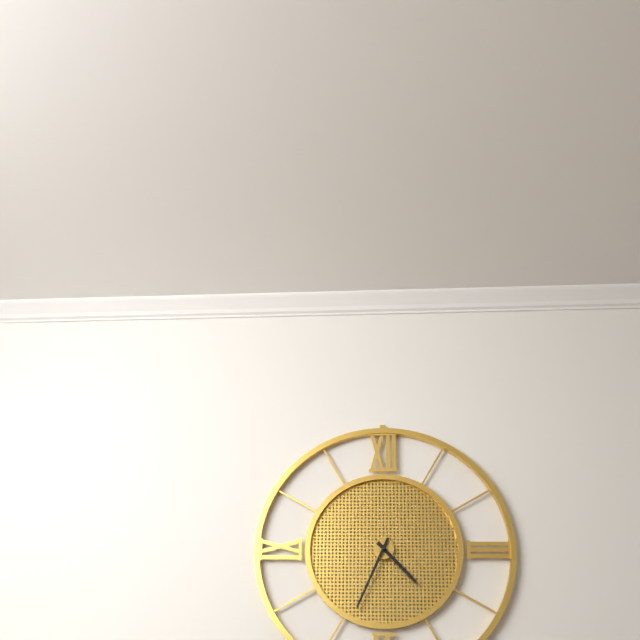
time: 4:34
